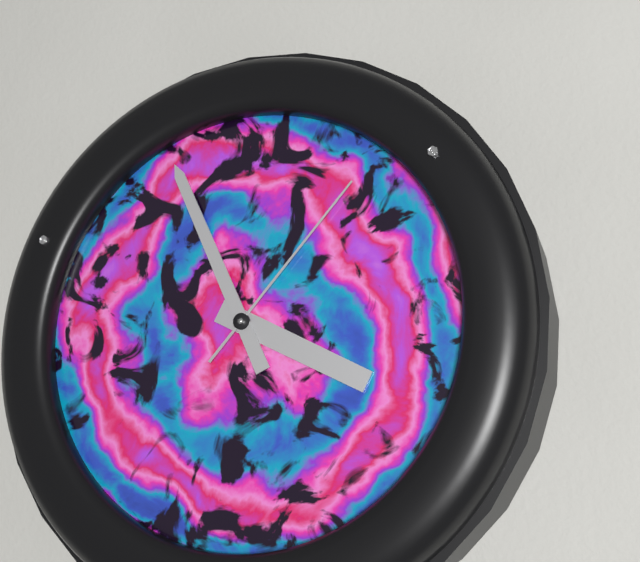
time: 3:56:07
